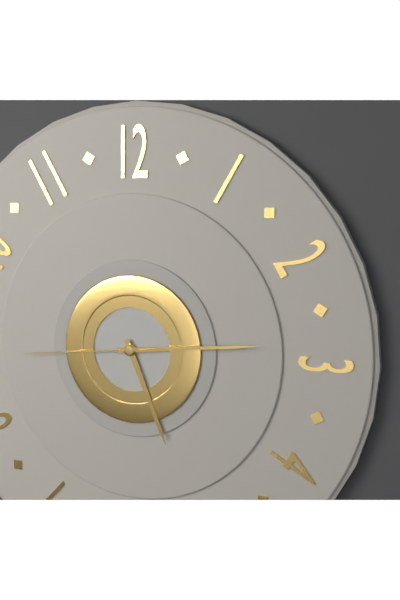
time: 5:14:44
